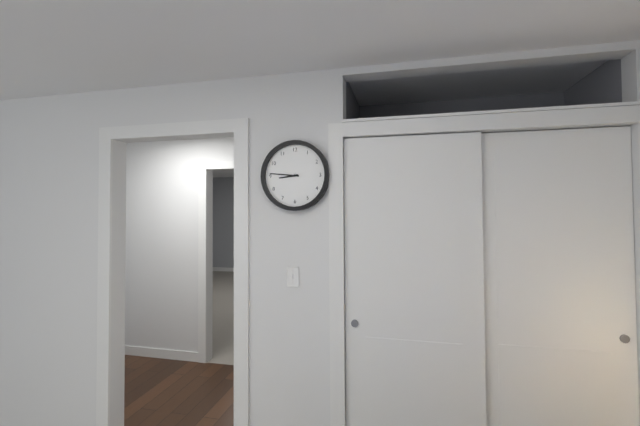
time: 8:46
